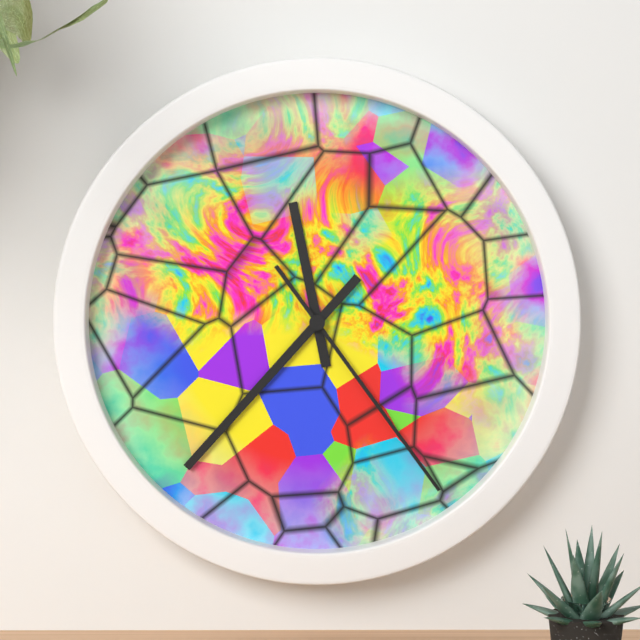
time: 11:37:24
